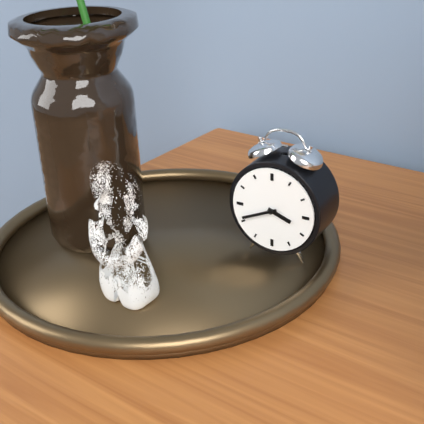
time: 3:41
